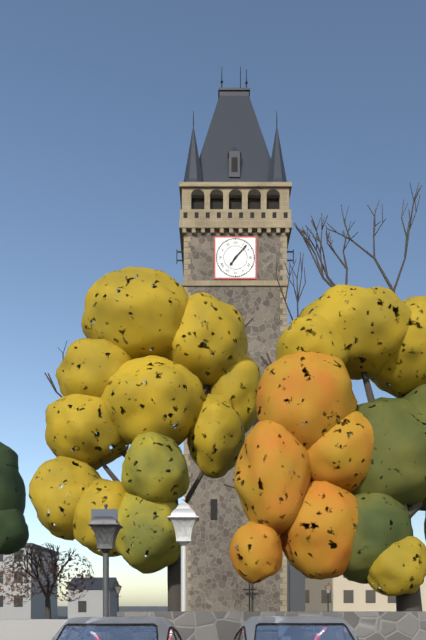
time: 7:07
